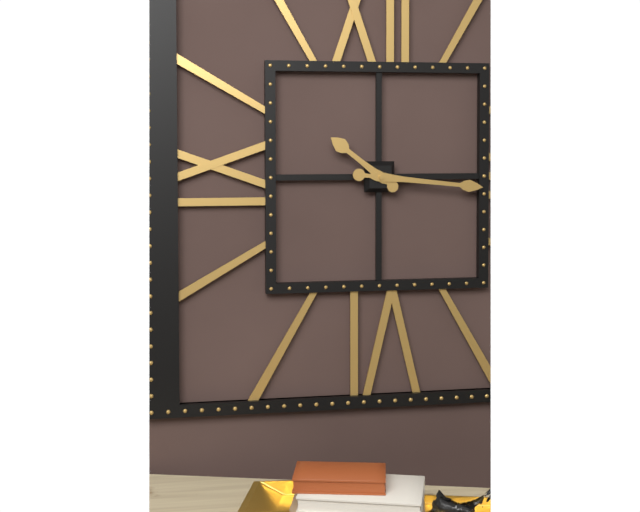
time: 10:16
